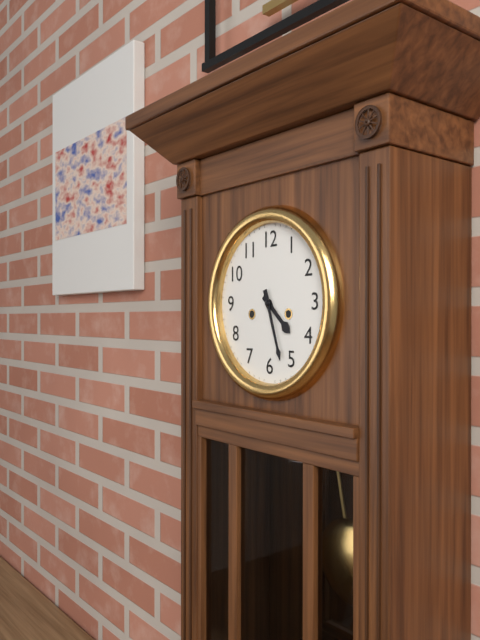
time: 4:27
